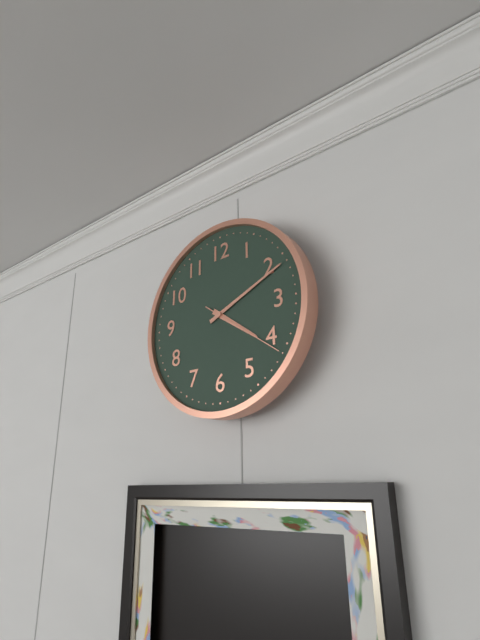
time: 4:11:21
